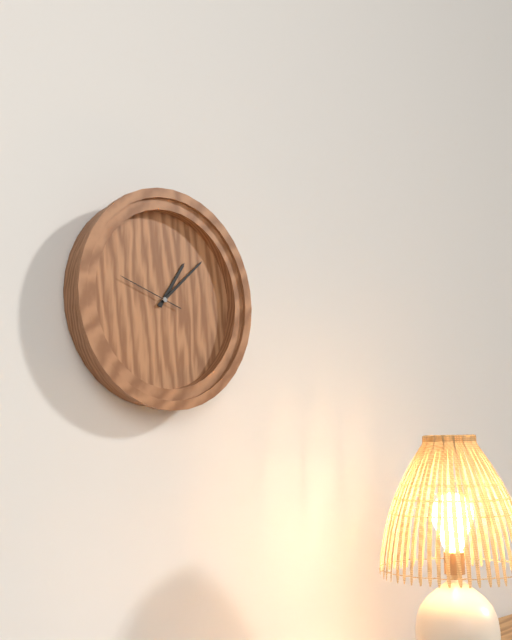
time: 1:08:48
